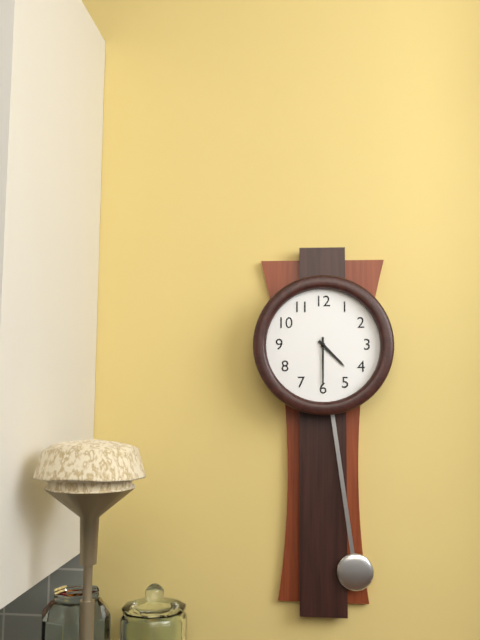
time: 4:30
